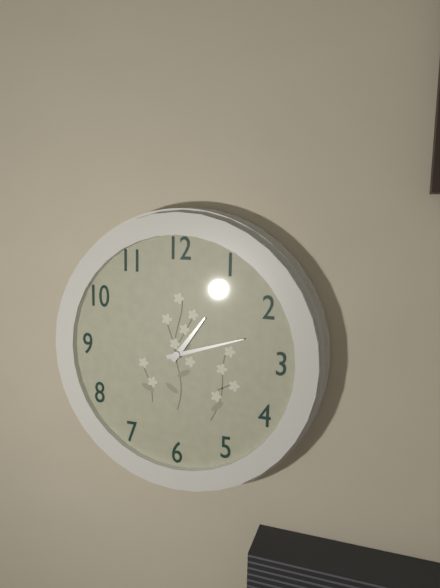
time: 1:12
